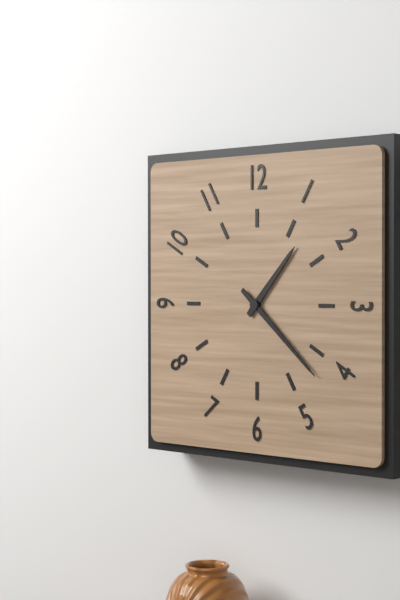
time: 1:22
